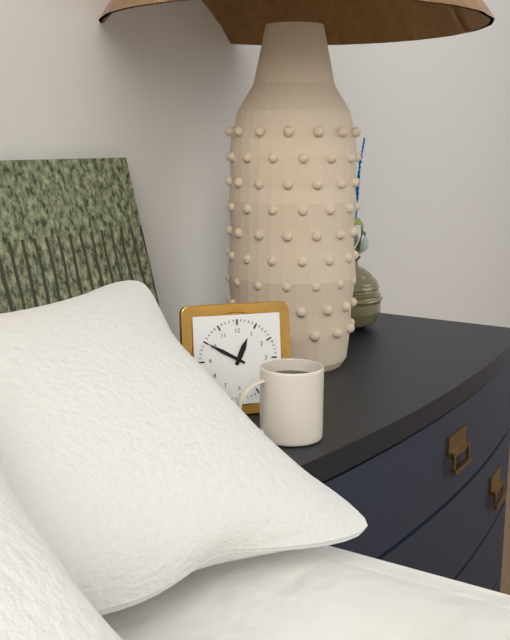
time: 12:50
